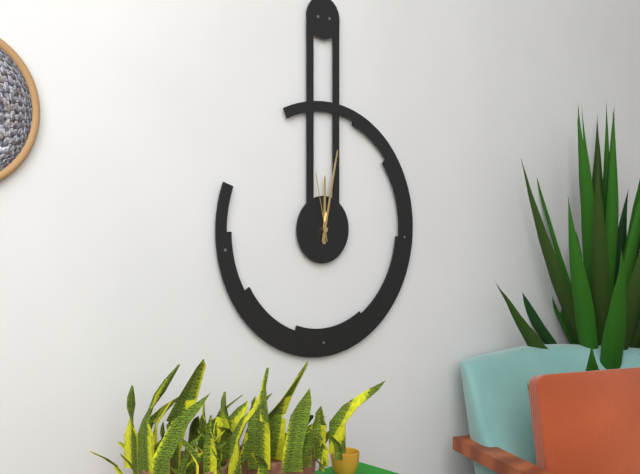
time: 12:02:58
